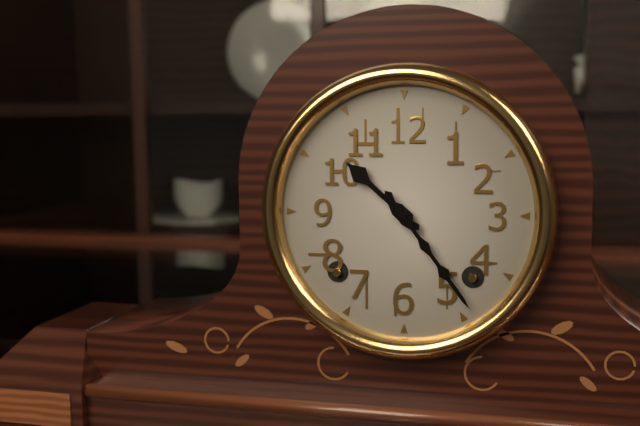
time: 10:24
